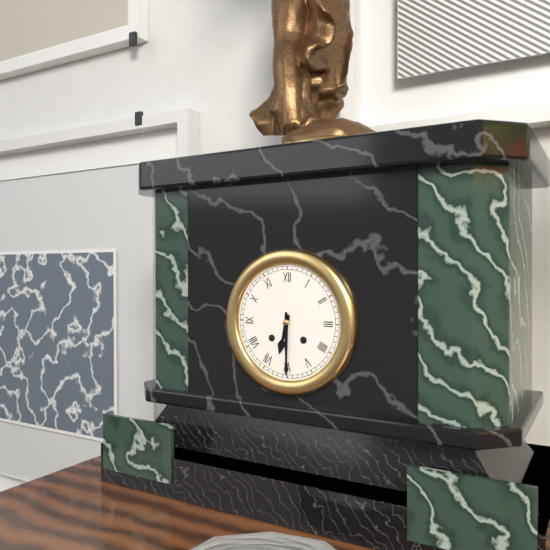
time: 6:30
